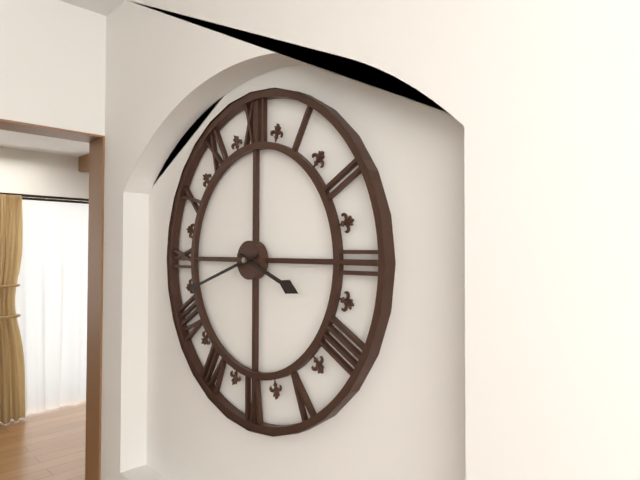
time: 3:42
